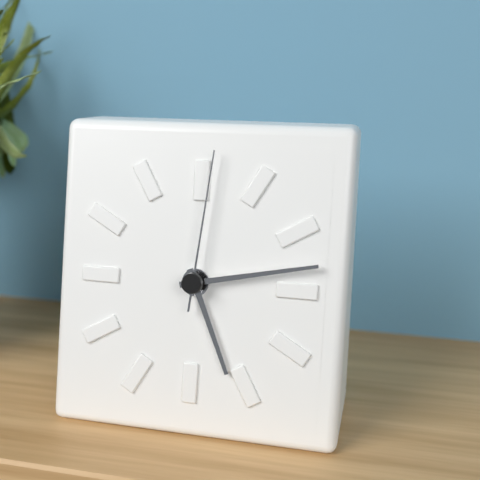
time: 5:13:01
